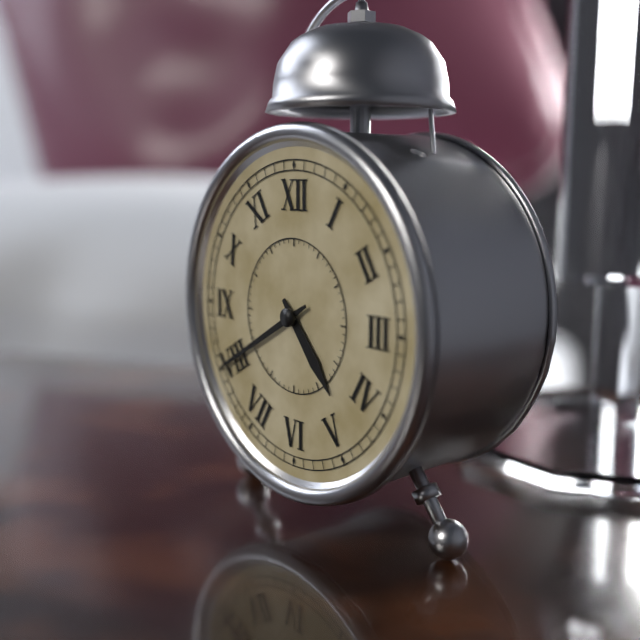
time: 4:40
